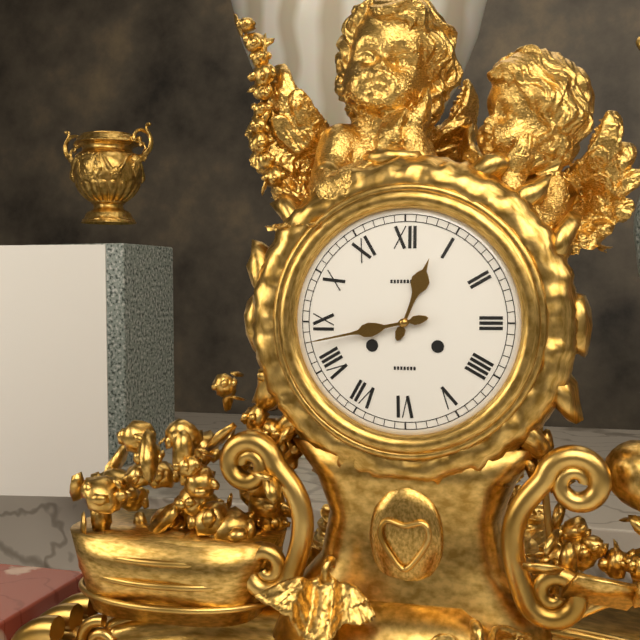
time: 12:43
